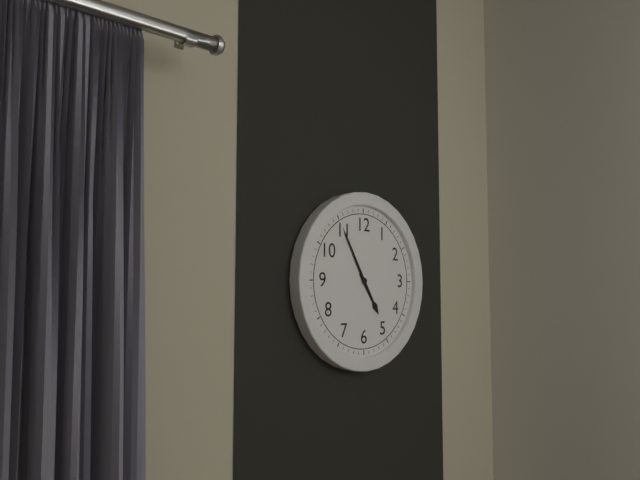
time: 4:55
